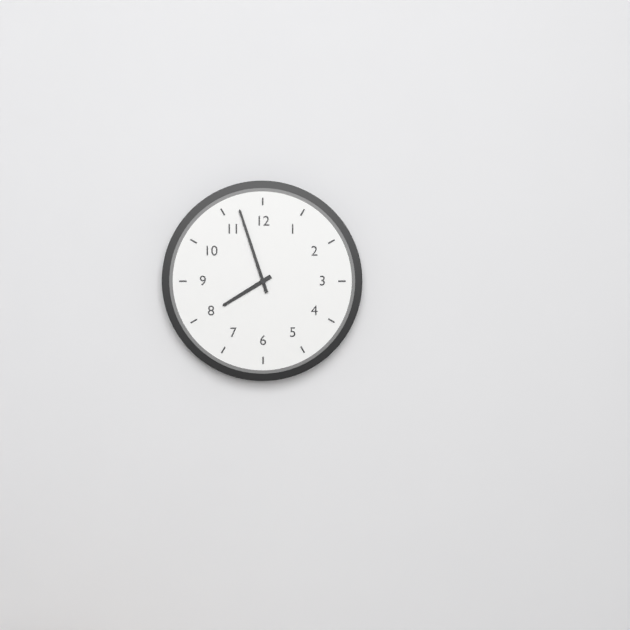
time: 7:57
